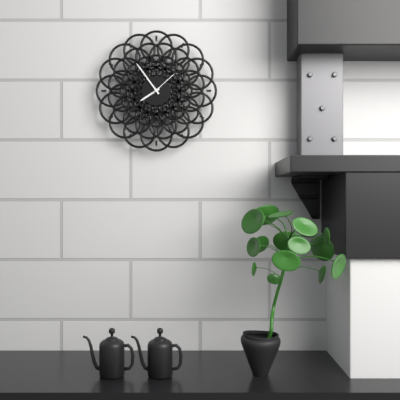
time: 7:54
